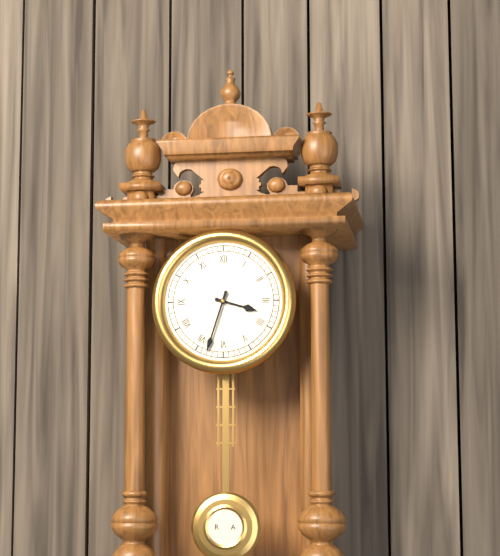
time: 3:33
